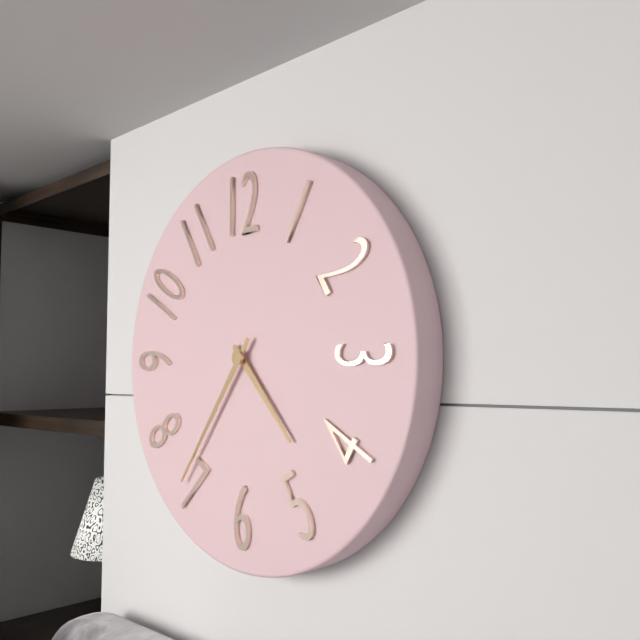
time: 4:36
